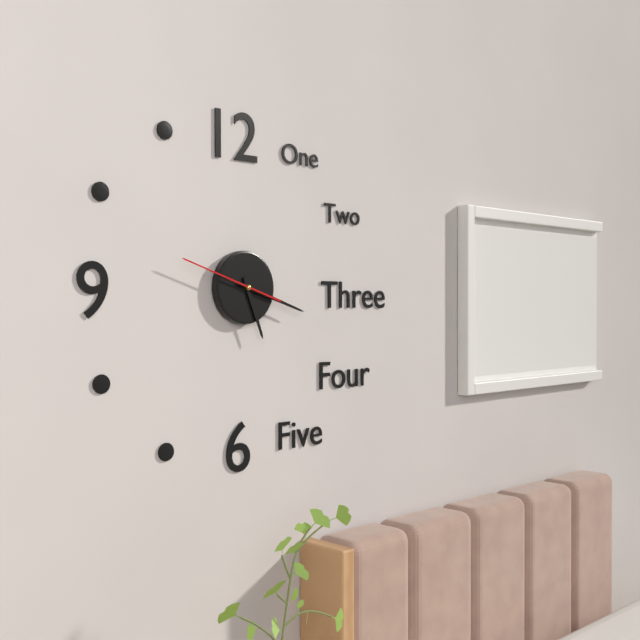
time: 5:18:48
